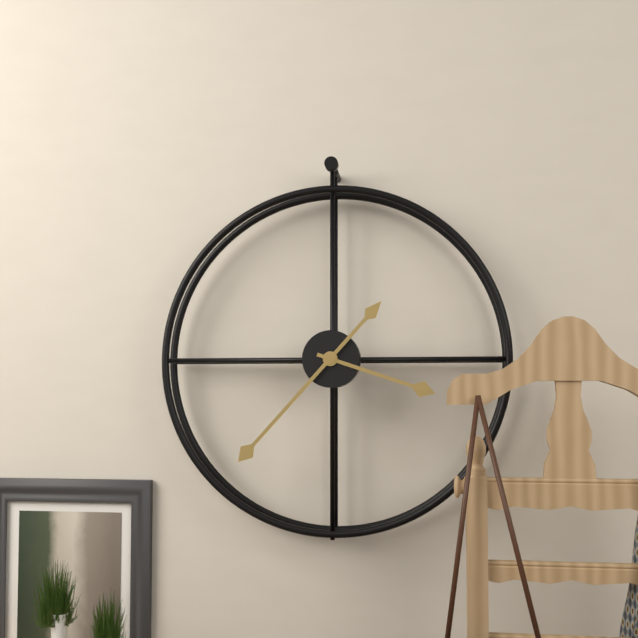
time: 3:37
